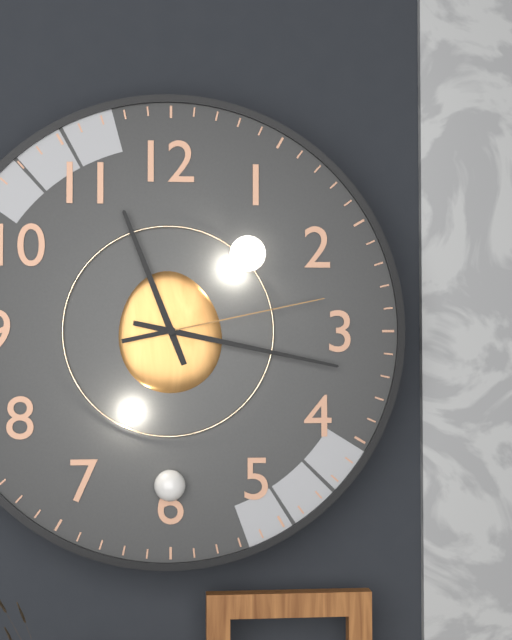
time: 11:17:13
